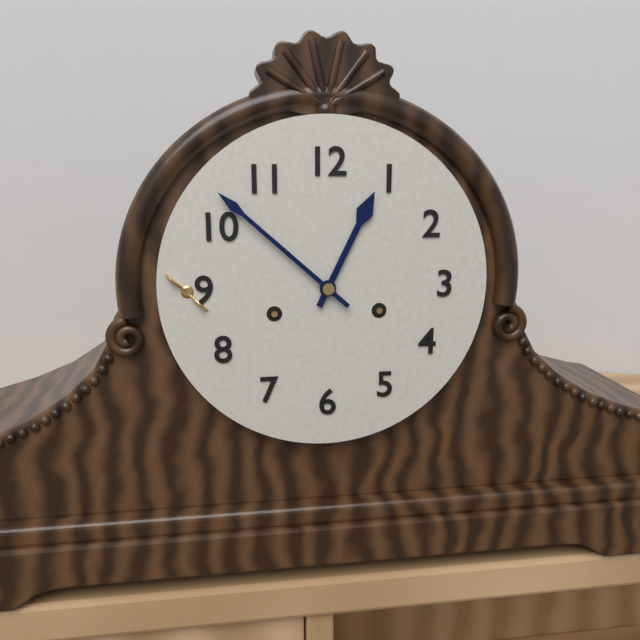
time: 12:52
